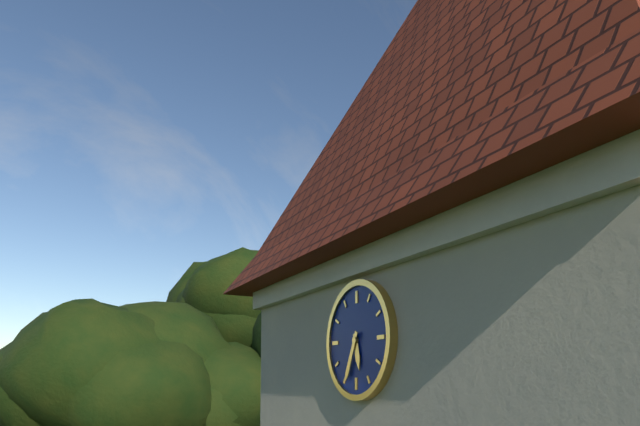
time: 5:34
